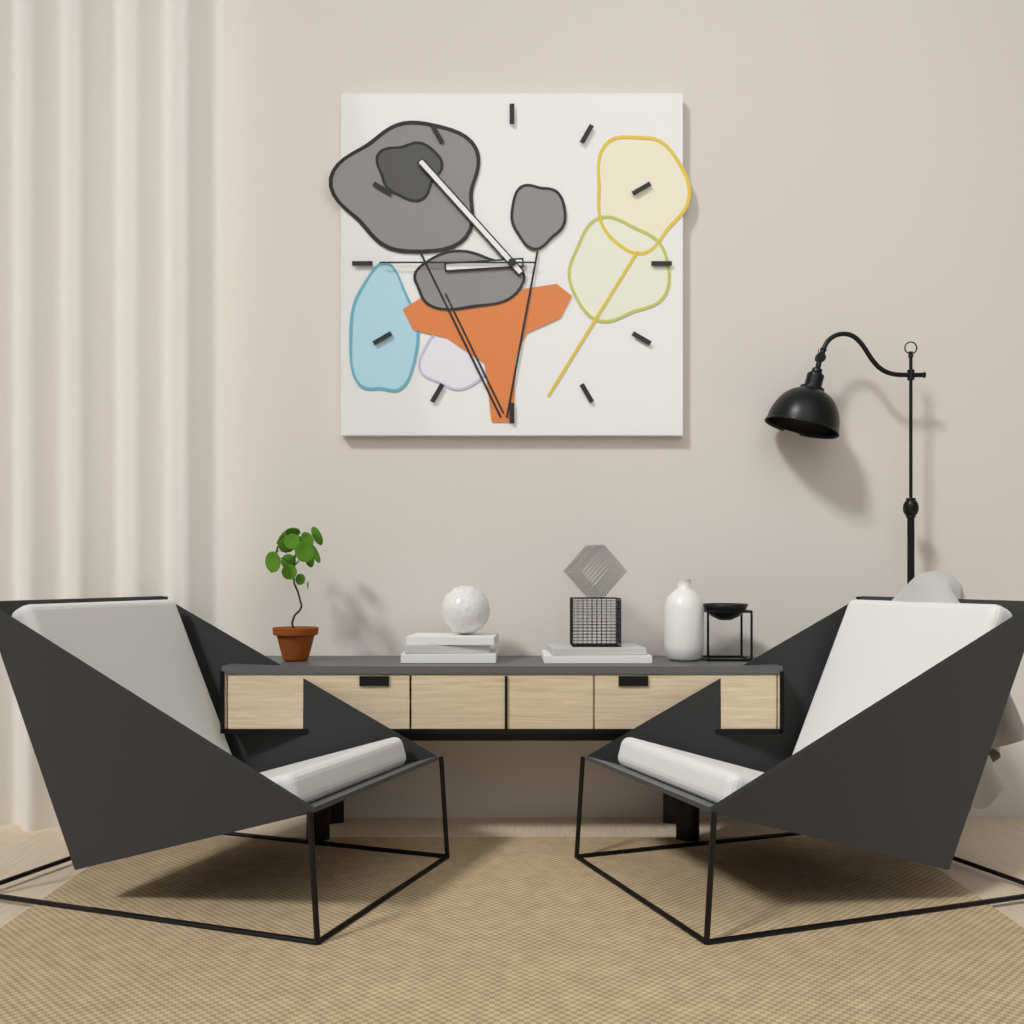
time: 8:53:45
